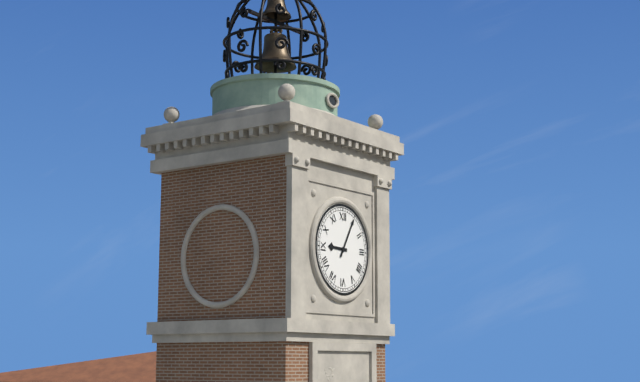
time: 9:05
